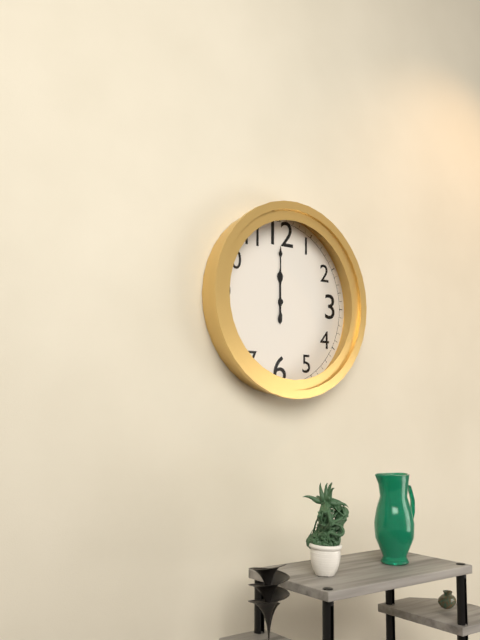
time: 12:00
